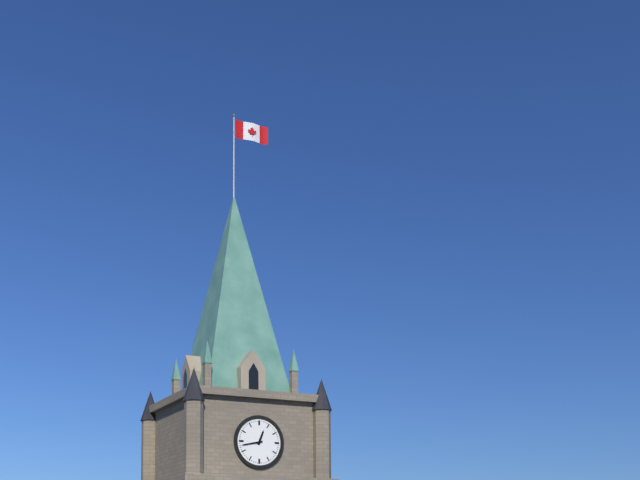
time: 12:43
